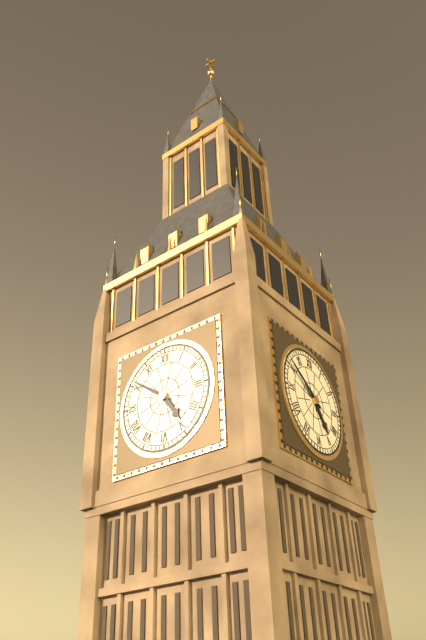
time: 4:51
